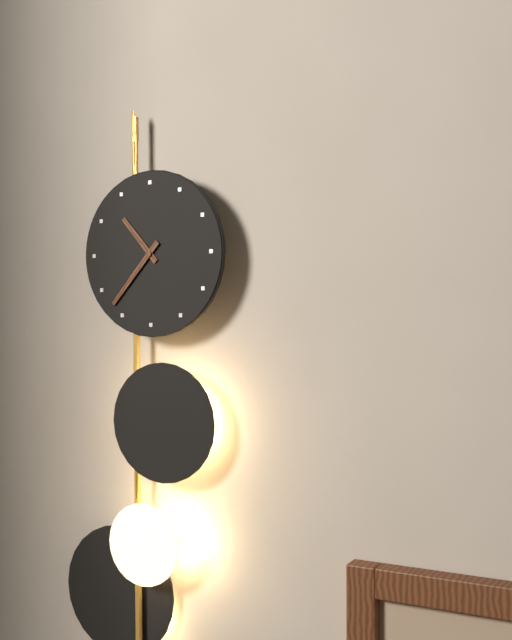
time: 10:37
